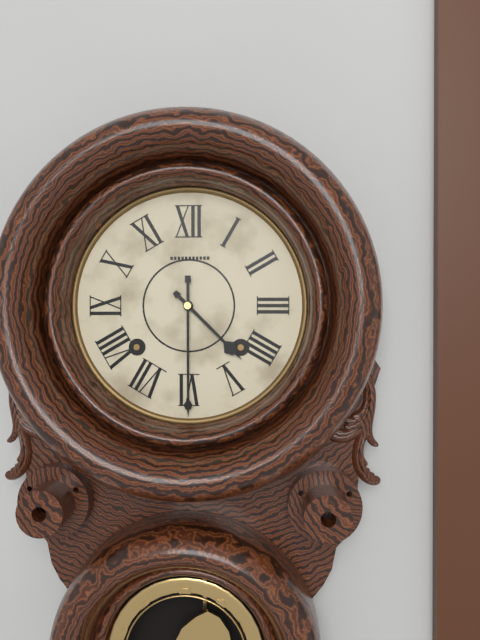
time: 4:30
